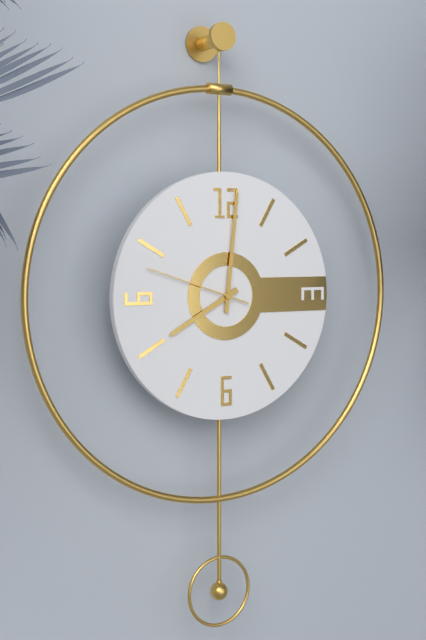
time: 8:01:48
